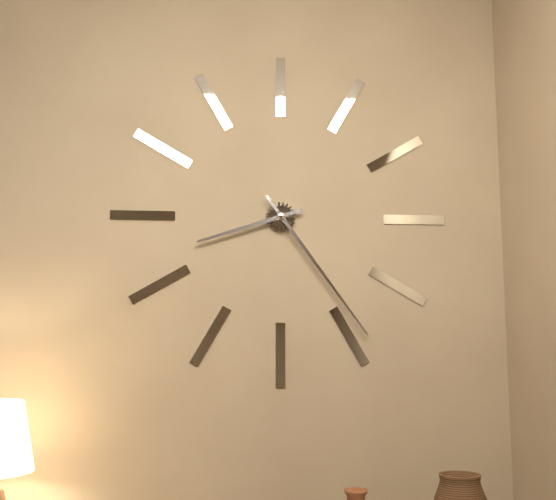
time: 8:24
